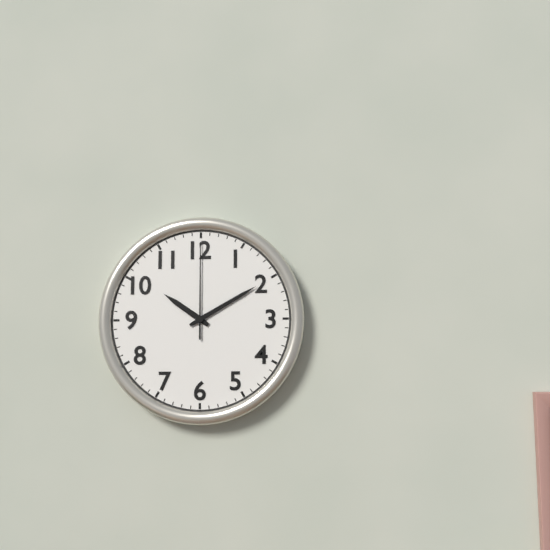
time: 10:10:00
